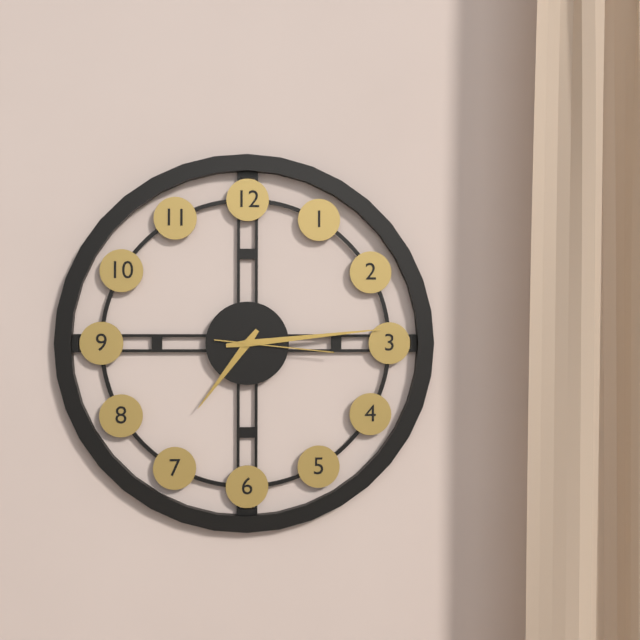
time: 7:14:16
